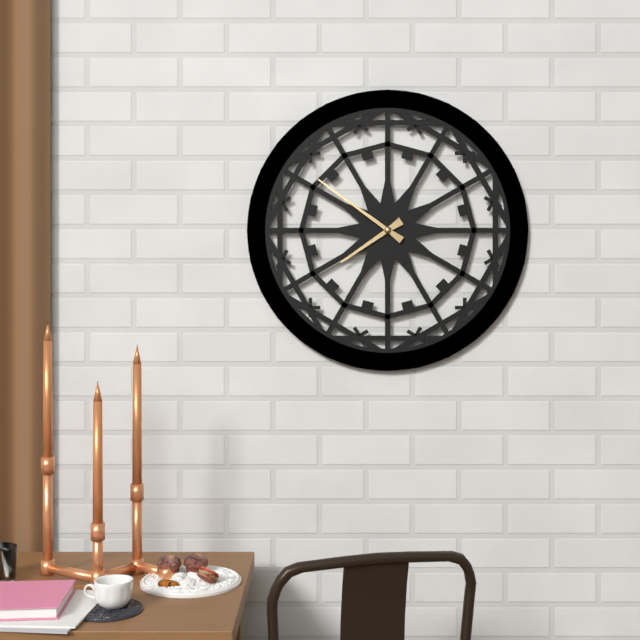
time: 7:51
